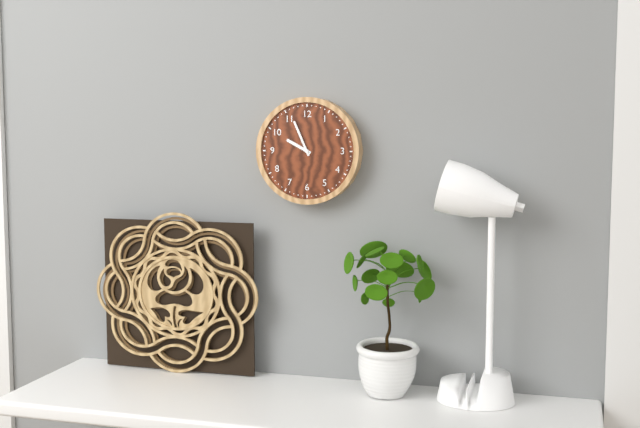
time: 9:56
